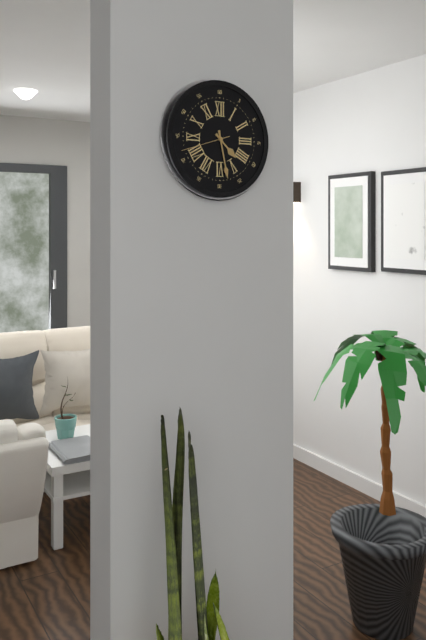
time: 4:28
